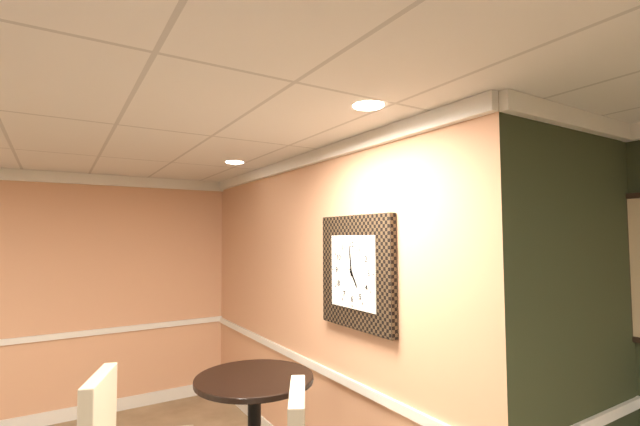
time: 4:59
